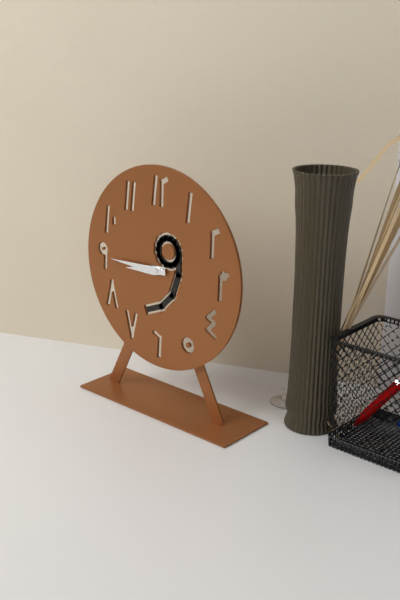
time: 8:45
